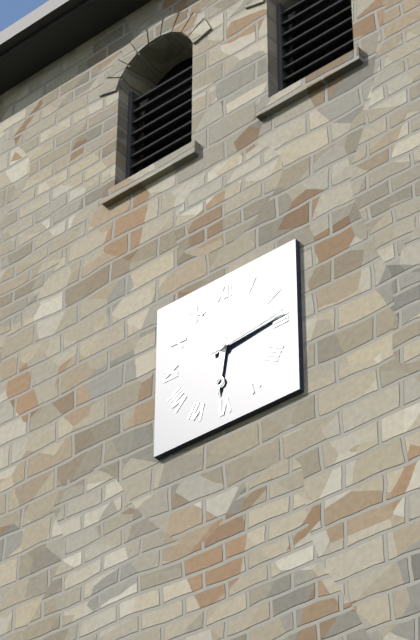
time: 6:14
